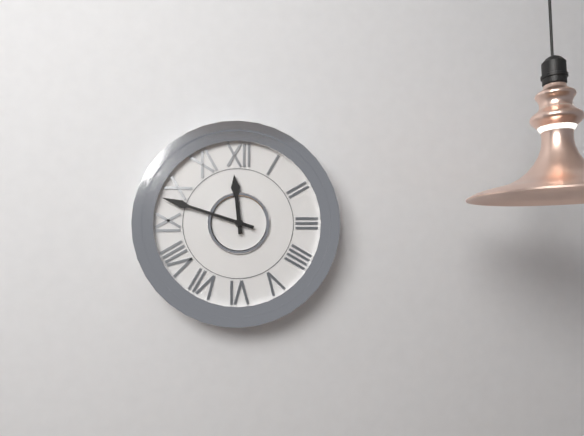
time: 11:48
